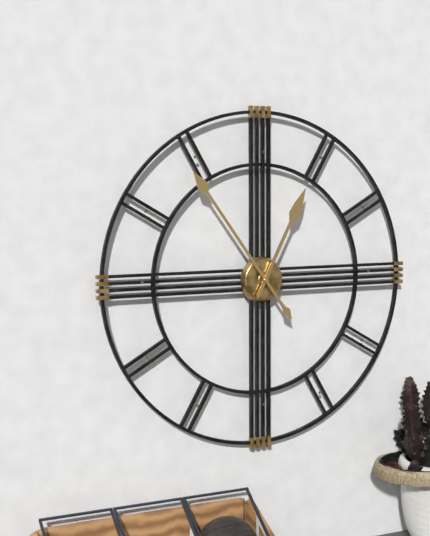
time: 12:54
